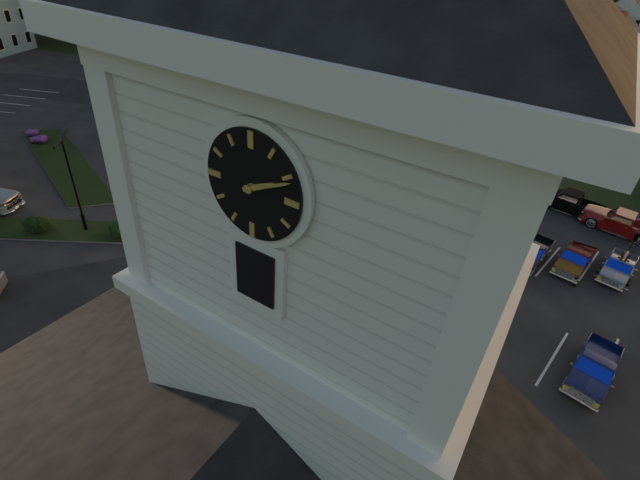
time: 2:11
